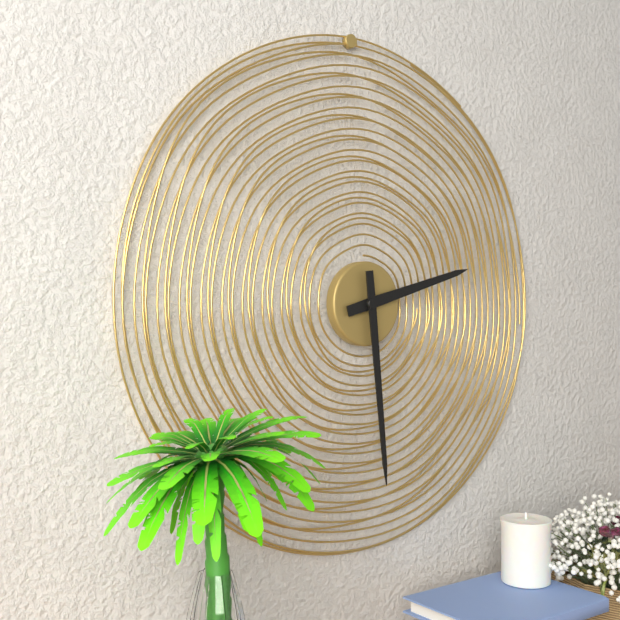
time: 2:29
